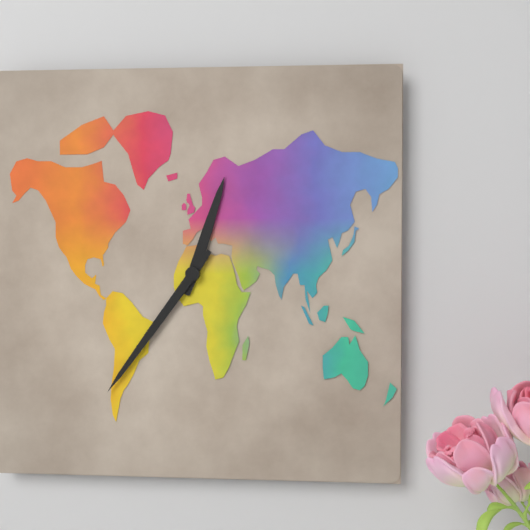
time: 12:36
